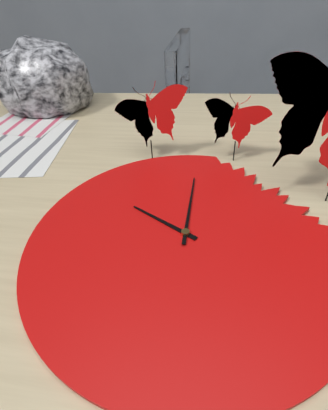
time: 10:00
